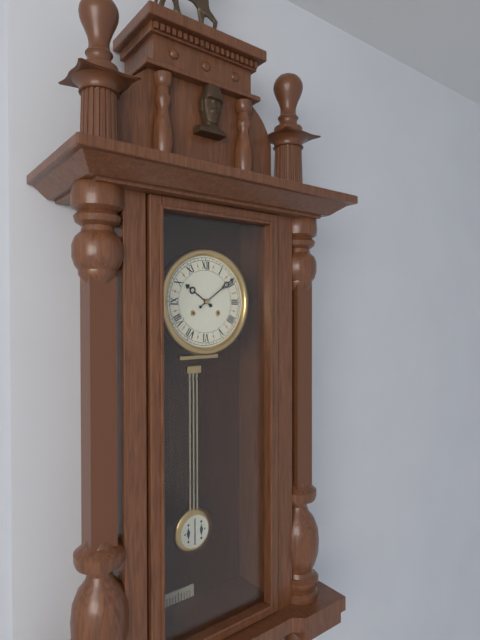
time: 10:09
